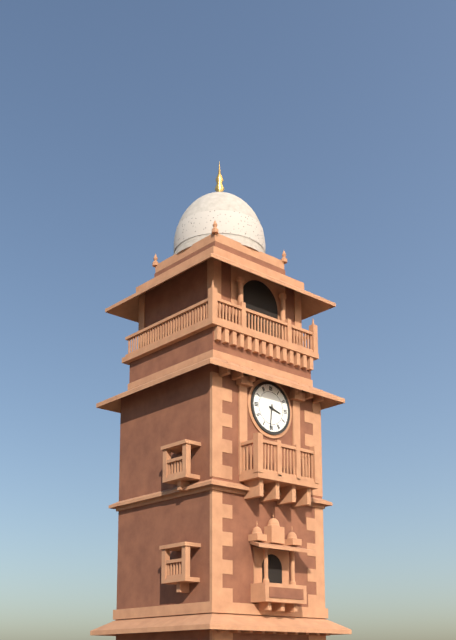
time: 3:31
